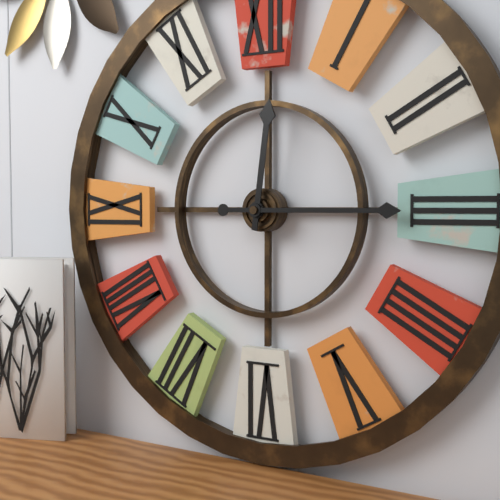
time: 12:15
